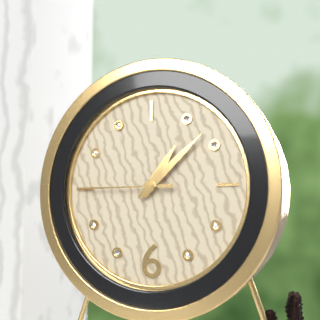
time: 1:08:45
